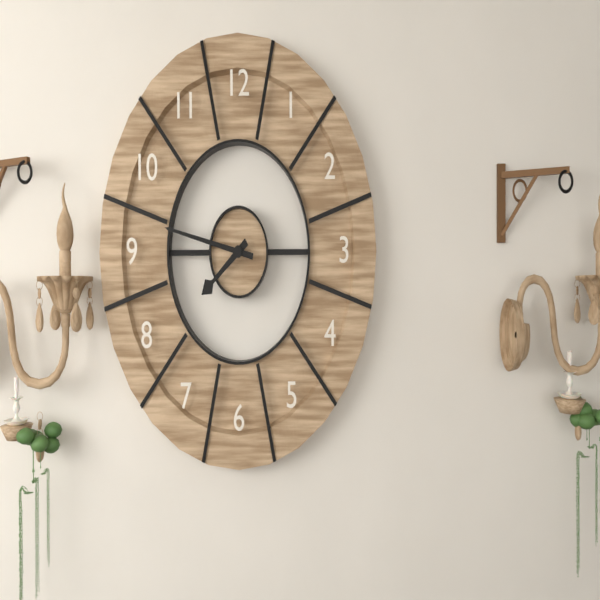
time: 7:47
